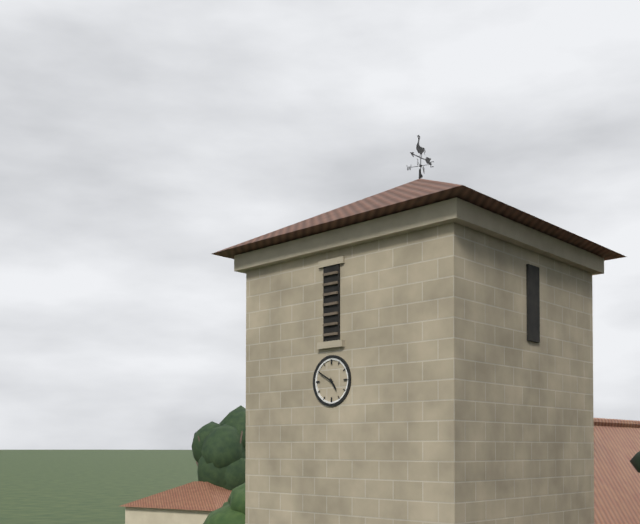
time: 4:50
